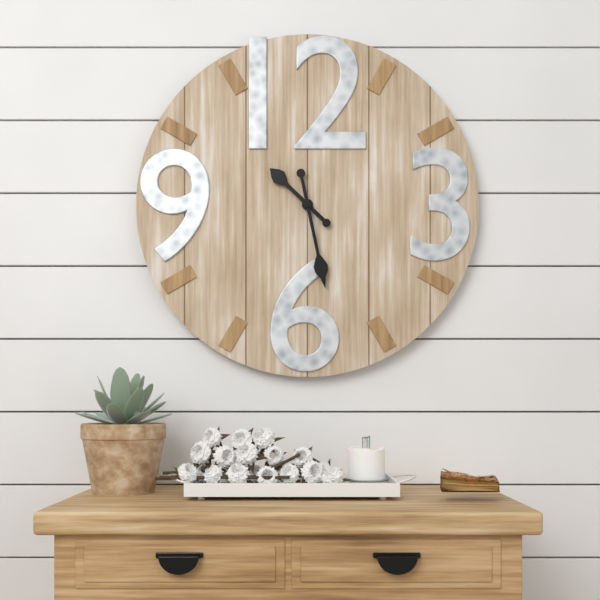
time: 10:28
